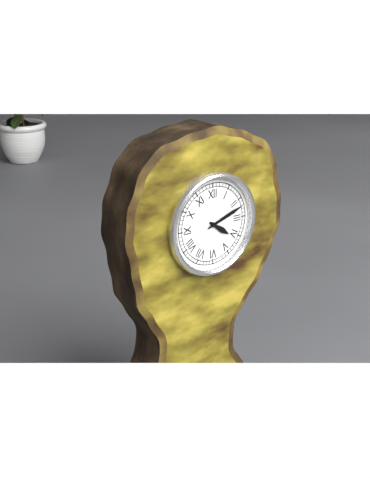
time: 4:12
